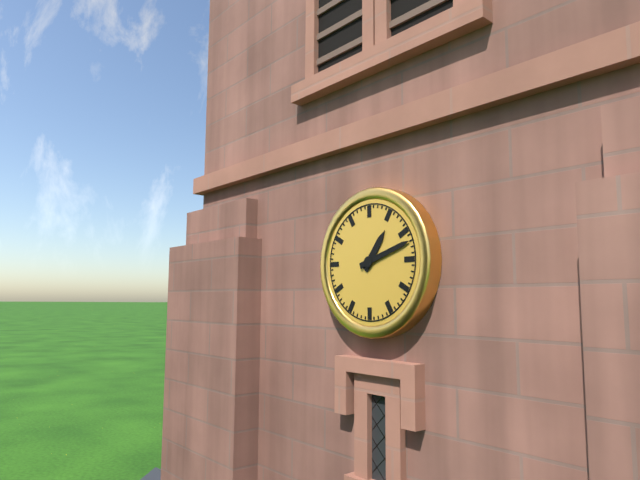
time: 1:12
